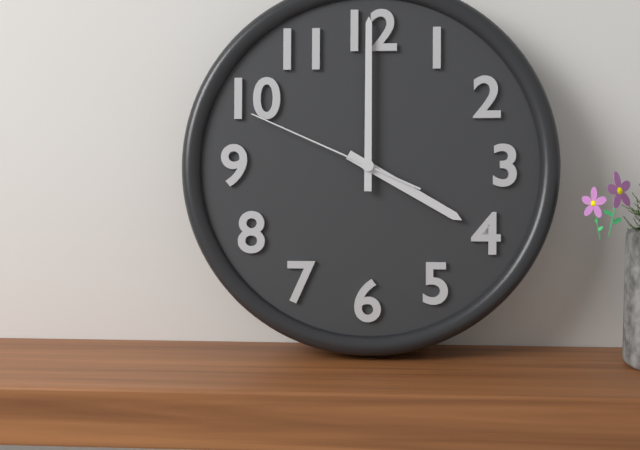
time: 4:00:49
